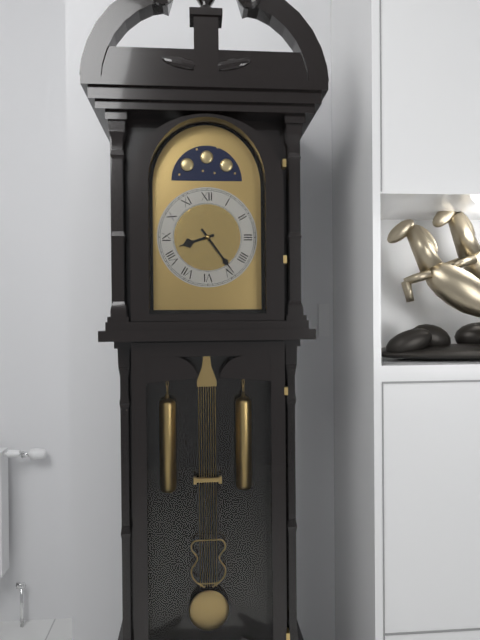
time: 8:24
